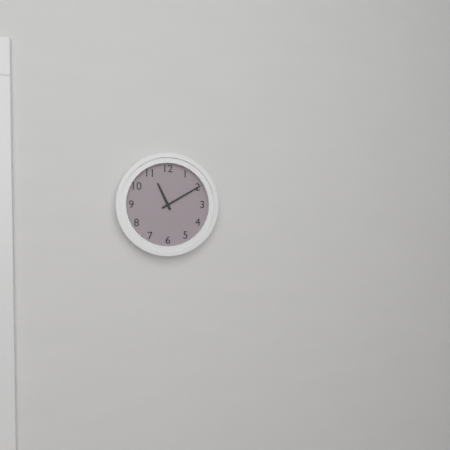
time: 11:10
